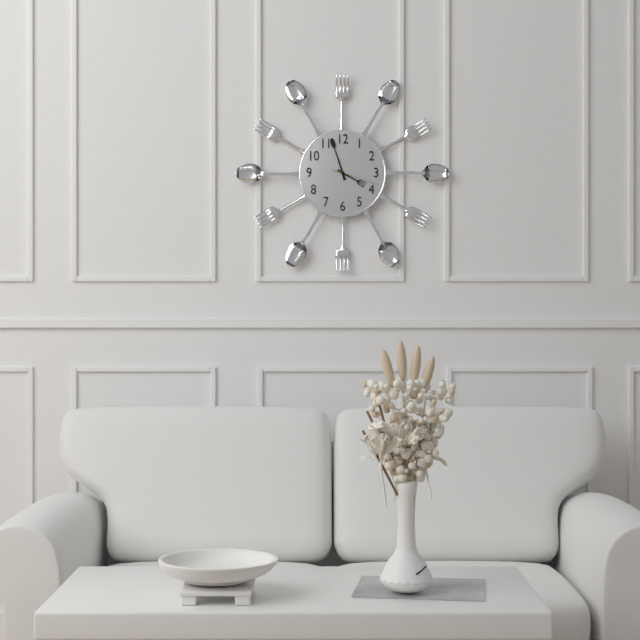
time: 3:57
